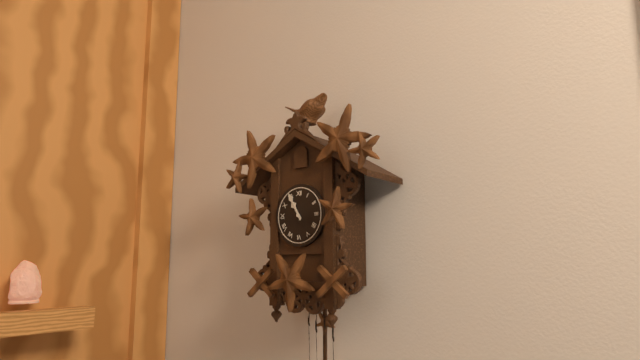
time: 10:55
